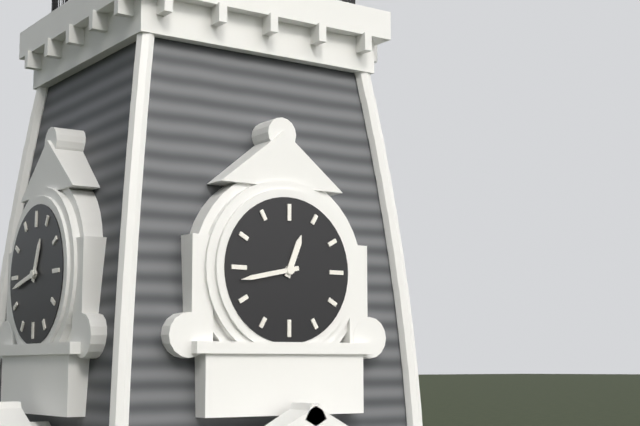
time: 12:43
